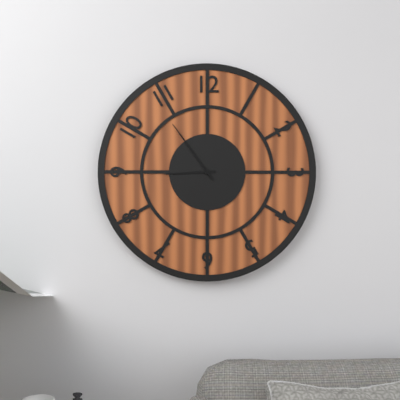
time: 8:54
